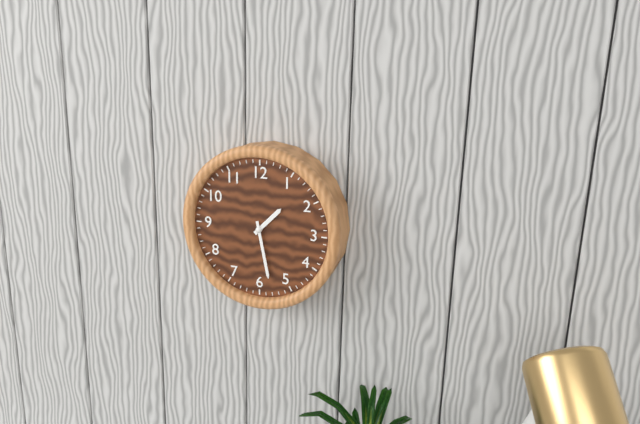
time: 1:28
